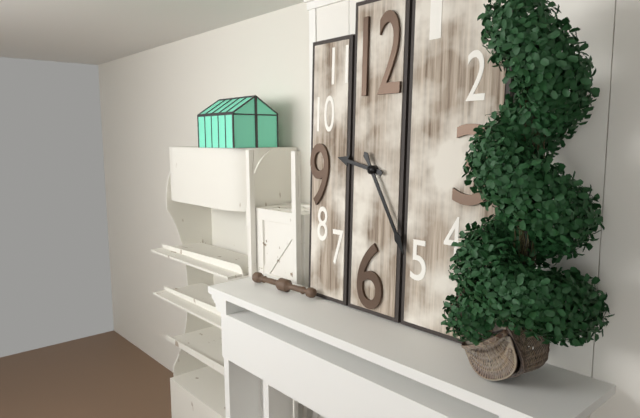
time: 9:25
